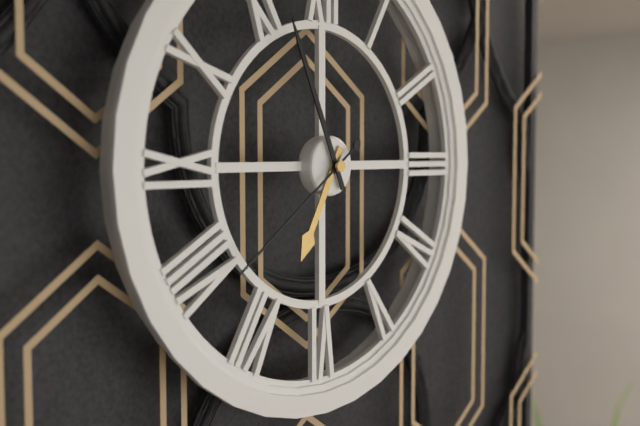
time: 6:56:39
